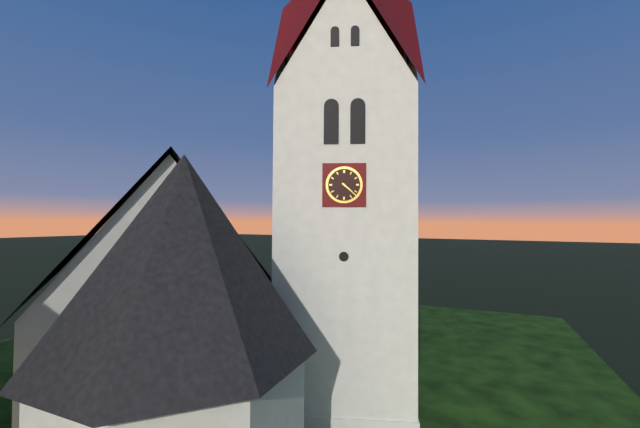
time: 4:22
